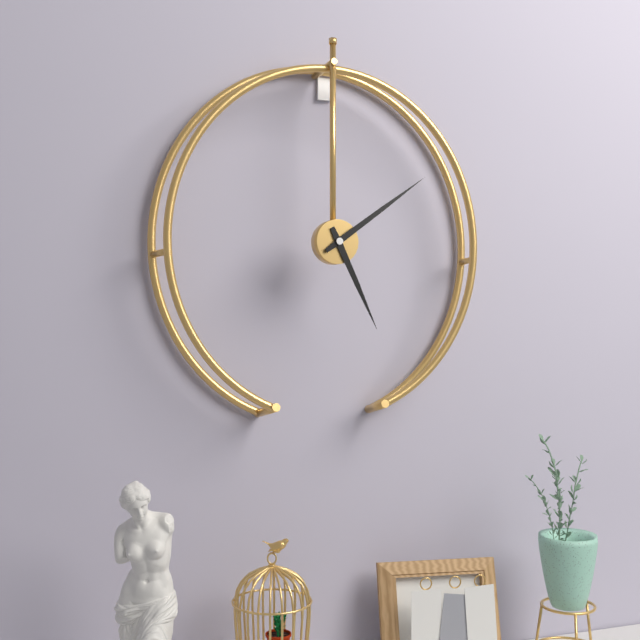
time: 5:09
